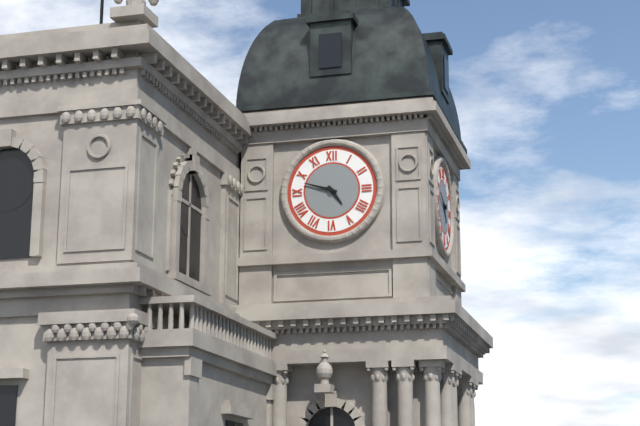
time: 4:48
